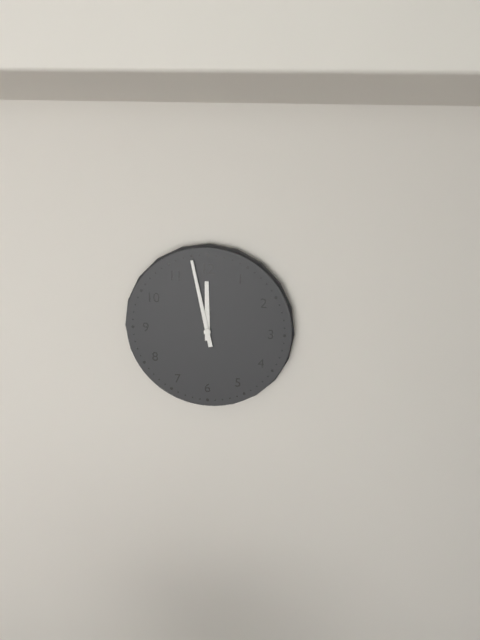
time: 11:58
